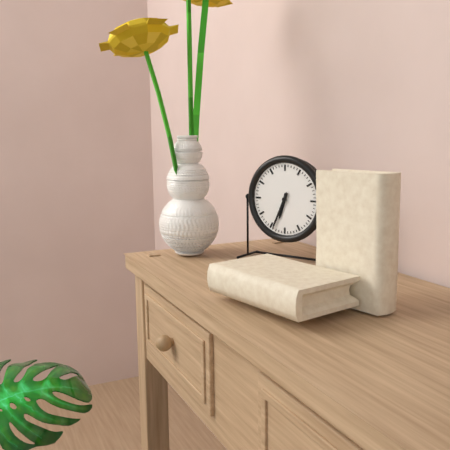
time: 6:34
